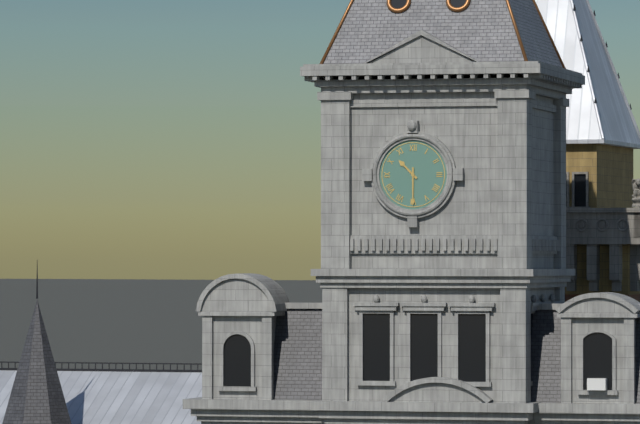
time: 10:30
